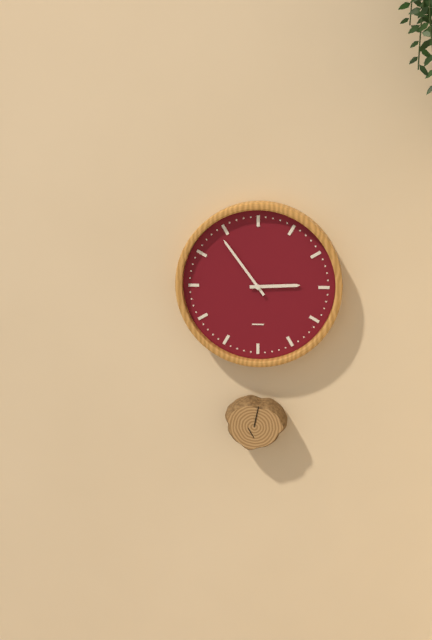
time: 2:54
